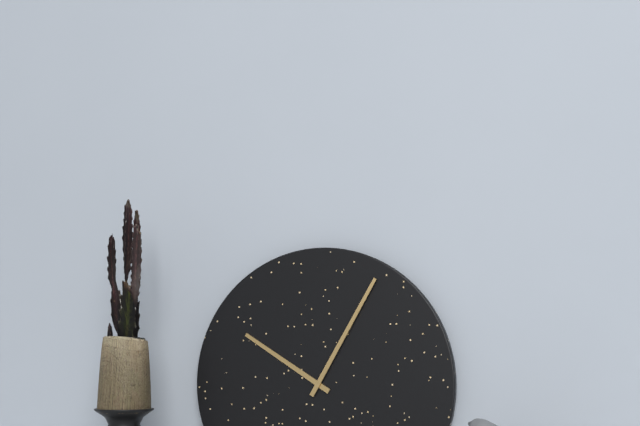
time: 10:05
